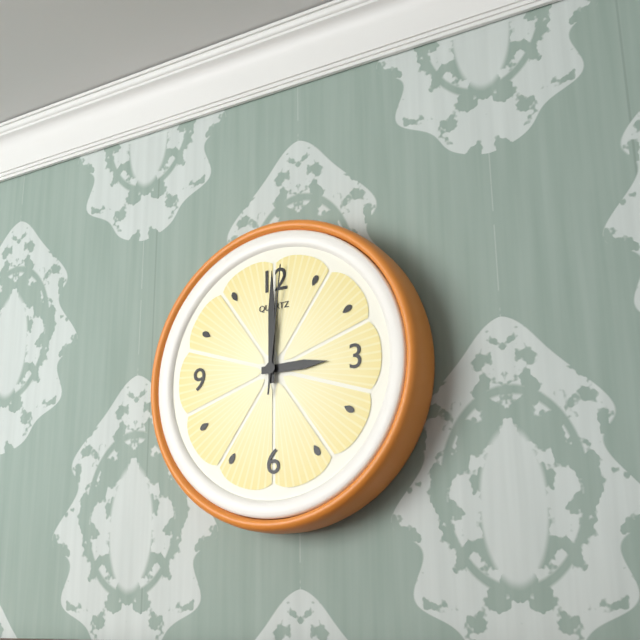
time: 3:00:01
